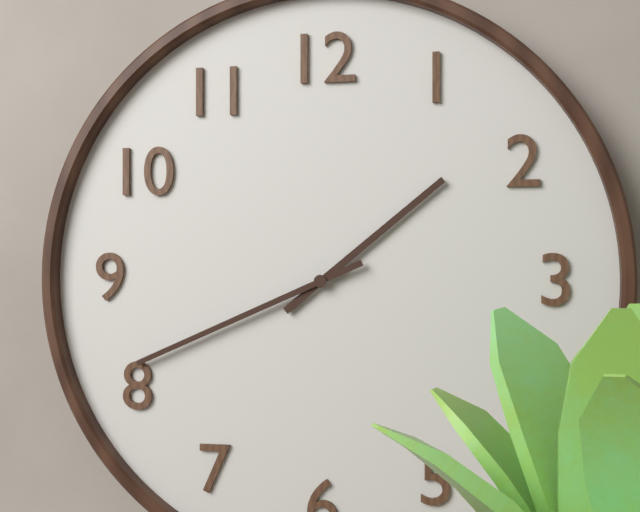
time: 1:41
